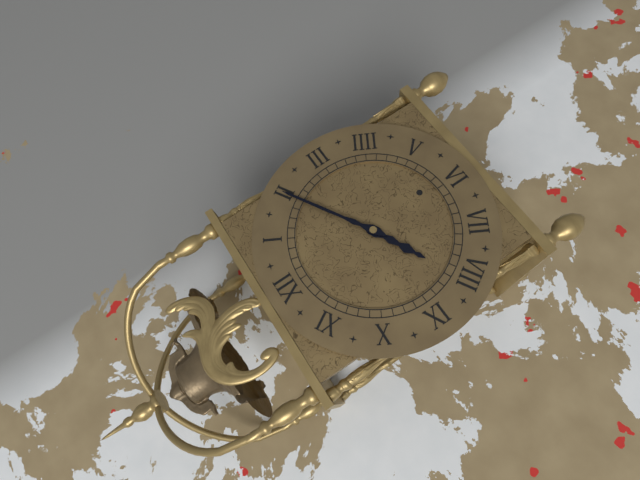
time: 8:10
